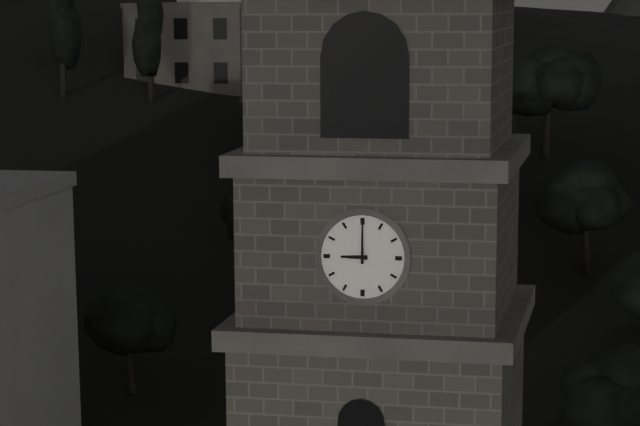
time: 9:00
